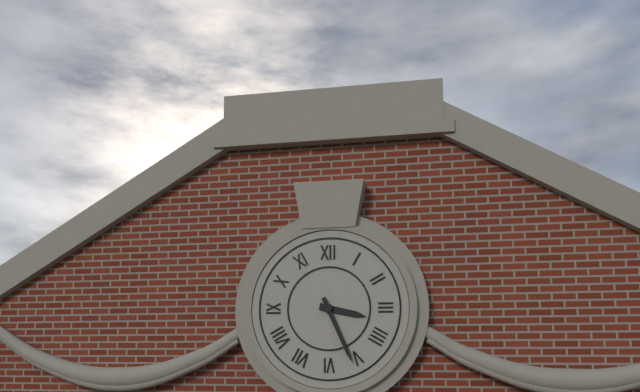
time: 3:26
